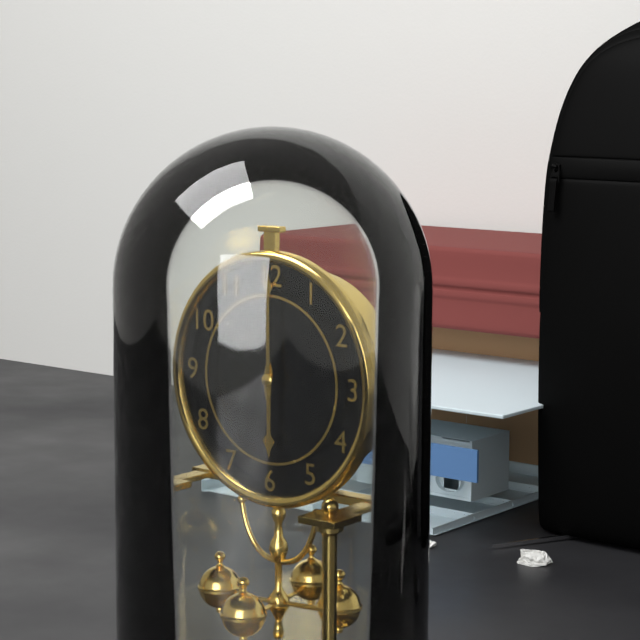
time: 6:00
